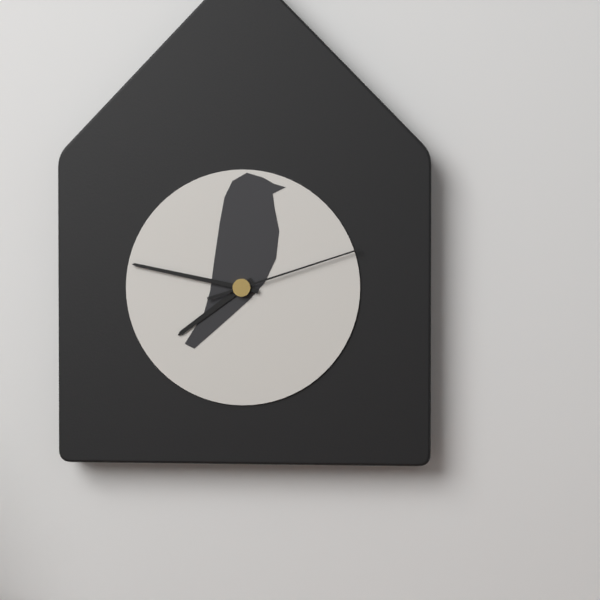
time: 7:47:12
